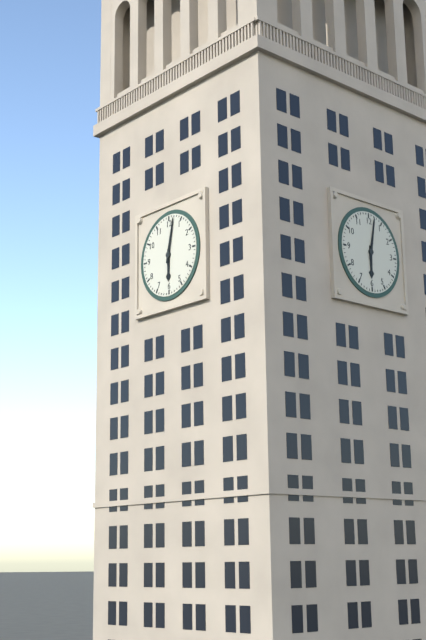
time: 6:02
